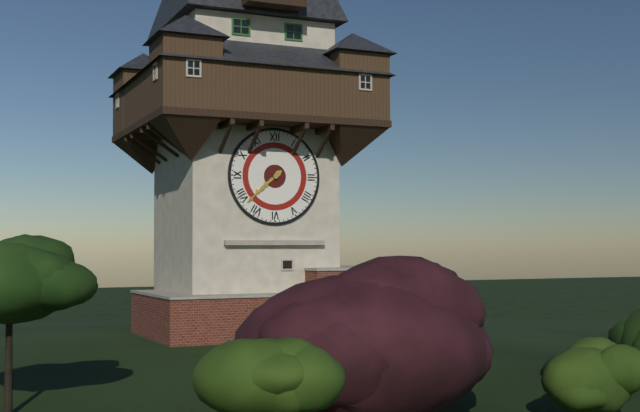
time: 7:38
